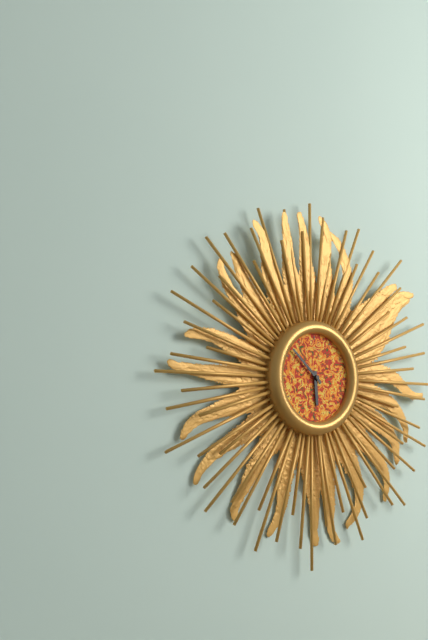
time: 5:52
